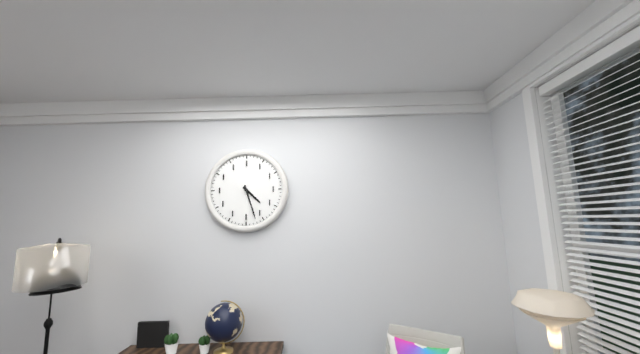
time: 4:27
